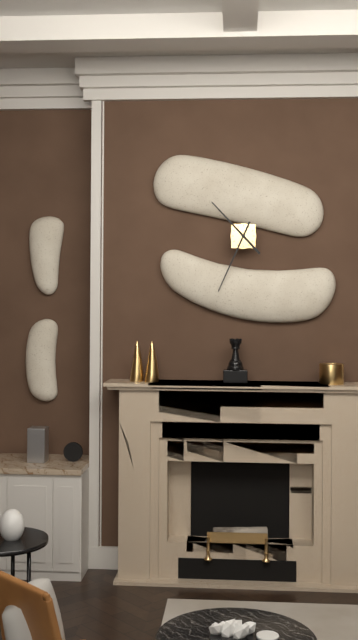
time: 10:34
